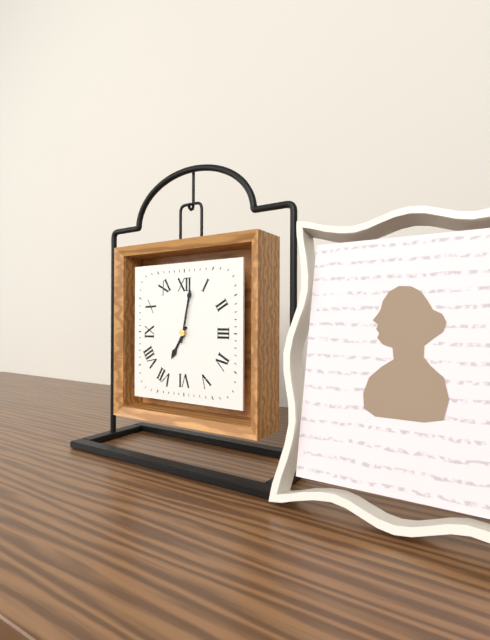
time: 7:02
